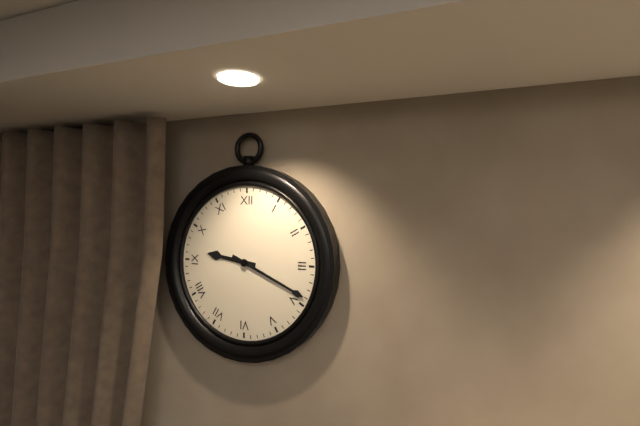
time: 9:19
